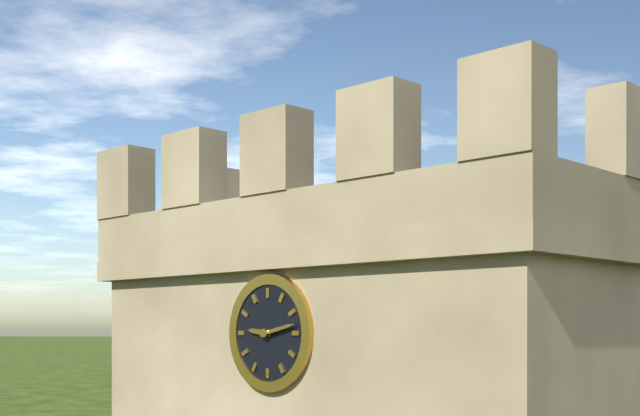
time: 9:13
